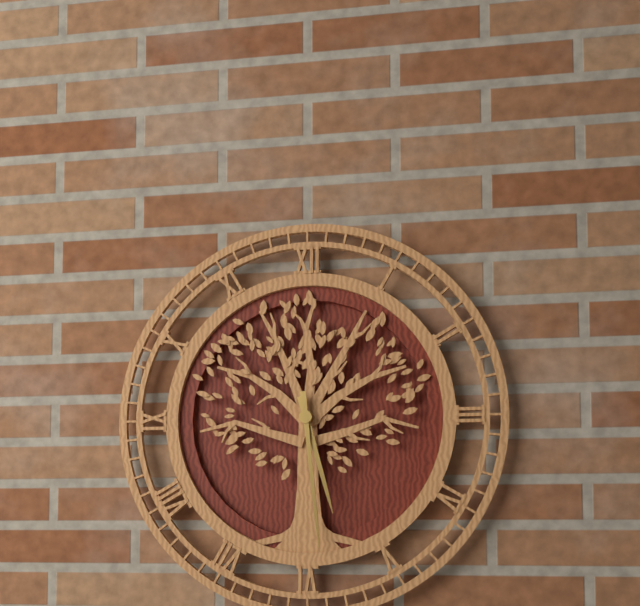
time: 5:29
